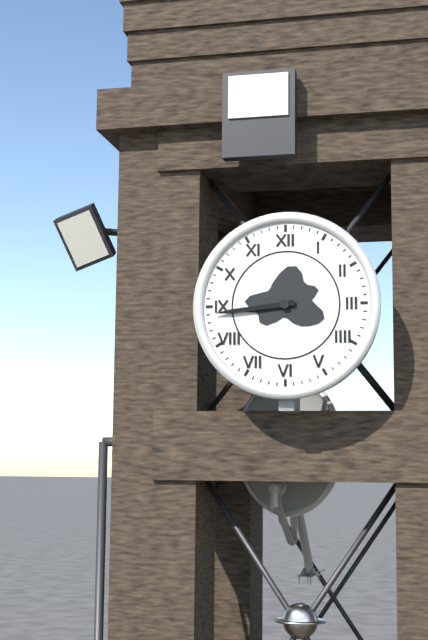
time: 8:44
